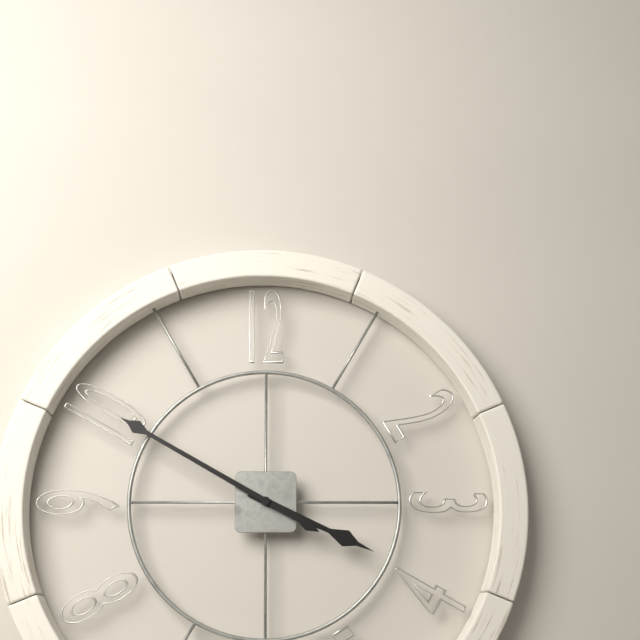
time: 3:50
